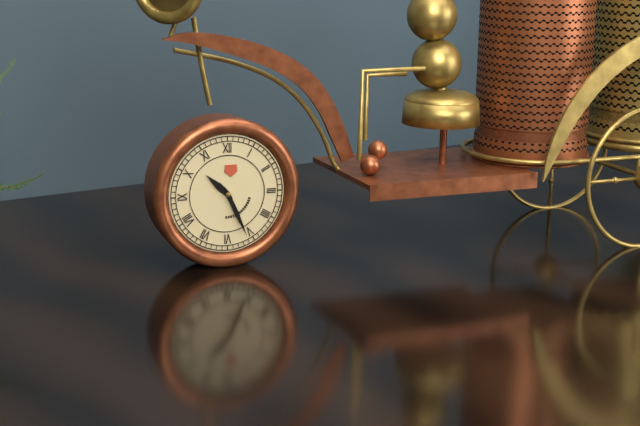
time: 10:26
